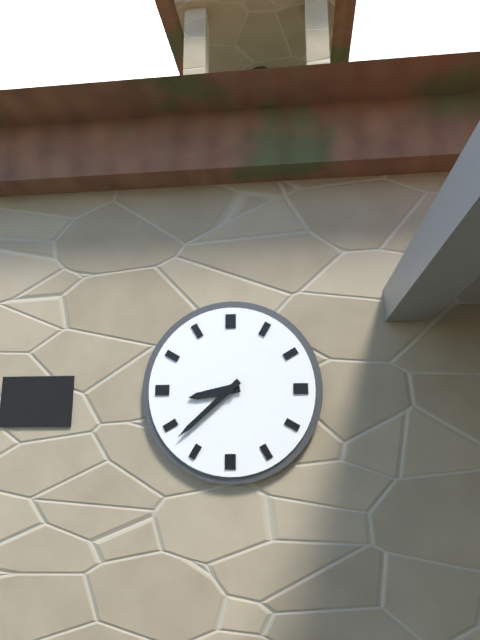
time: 8:38
